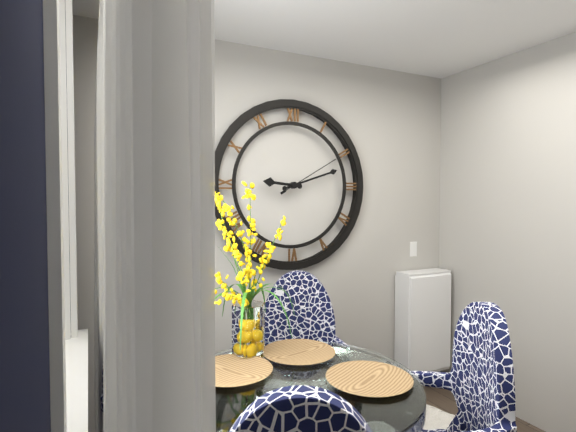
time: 9:12:10
